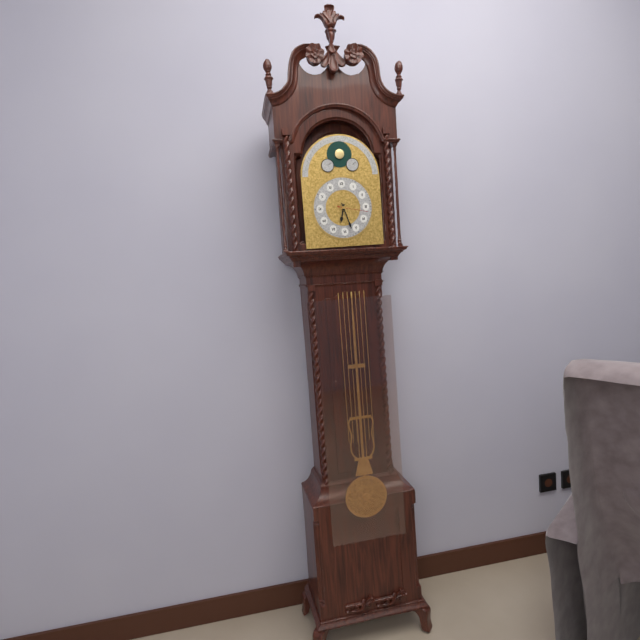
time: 6:27
